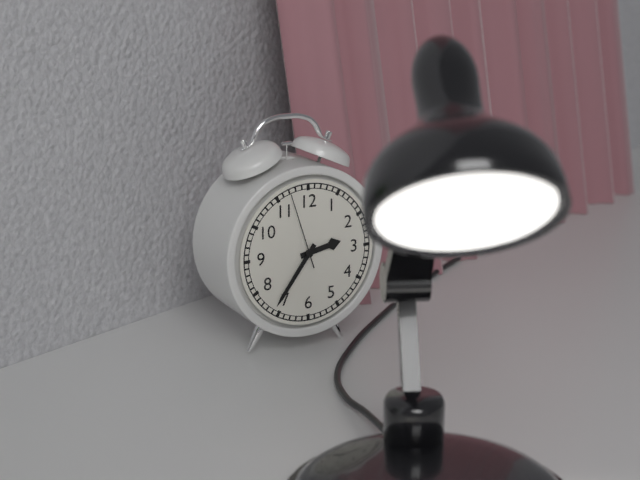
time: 2:36:57
